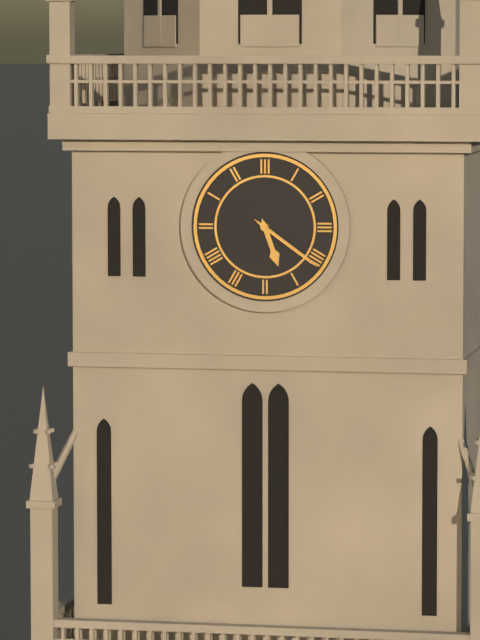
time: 5:21
